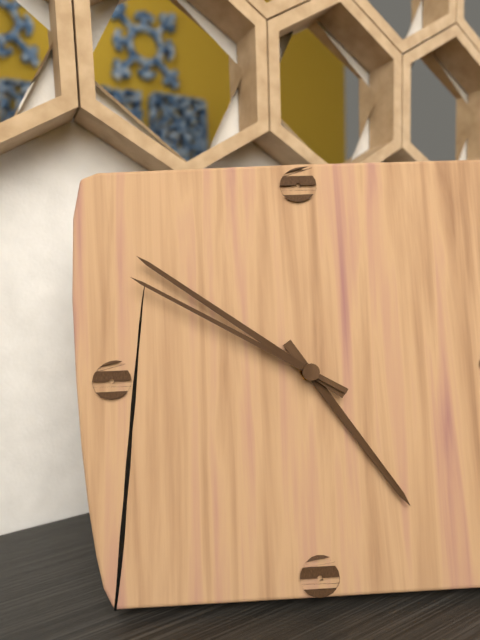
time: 4:51:50
